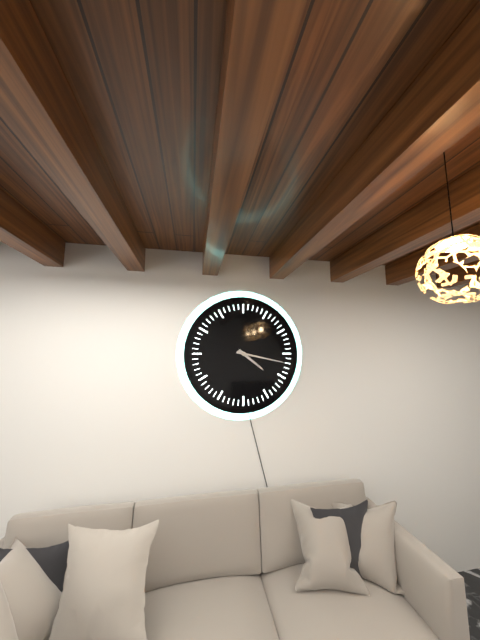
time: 4:17
